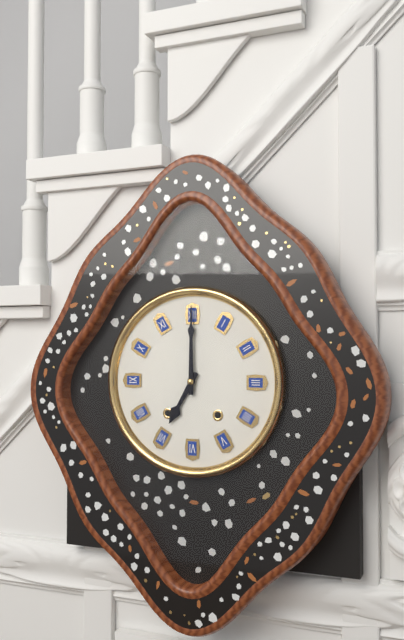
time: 7:00
